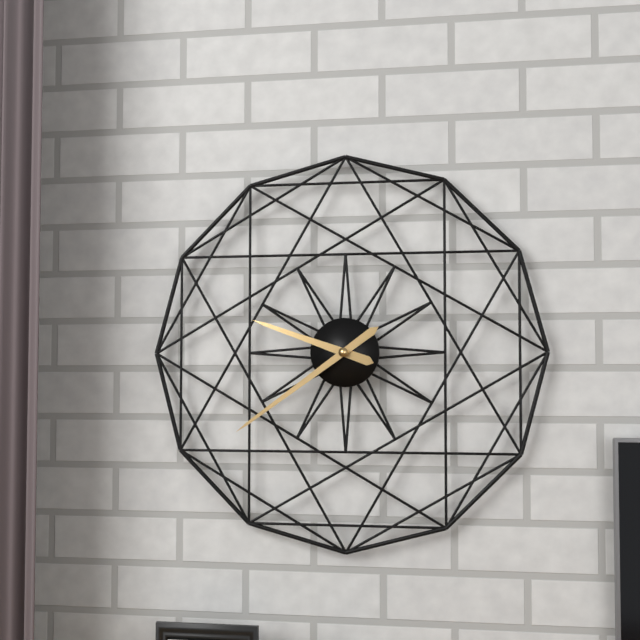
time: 9:39
